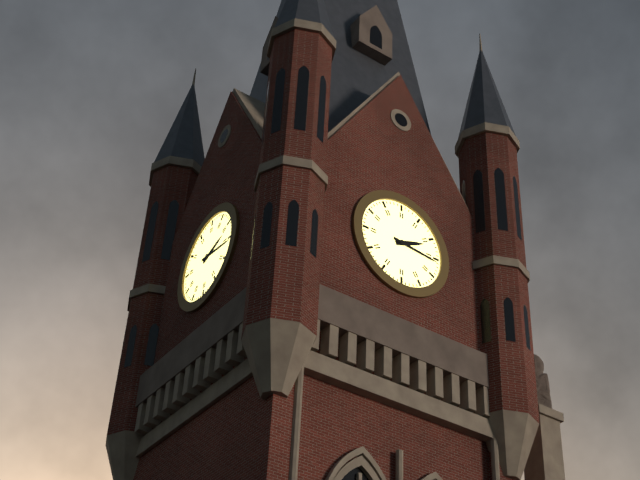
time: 2:16
